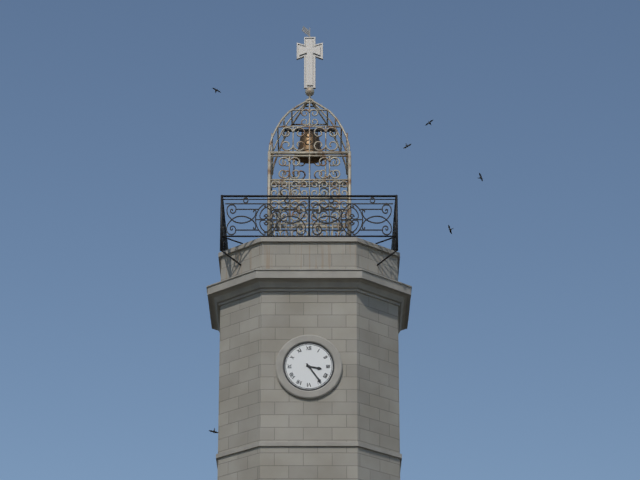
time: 3:24
